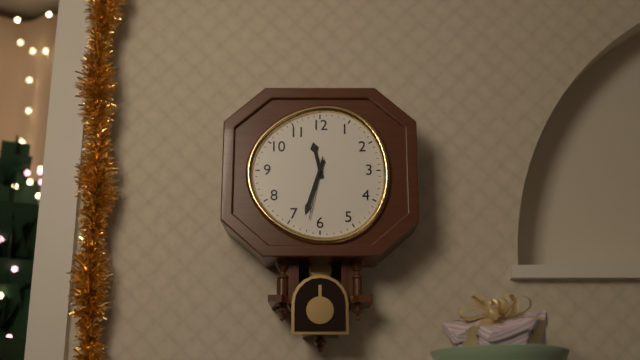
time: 11:33:32
